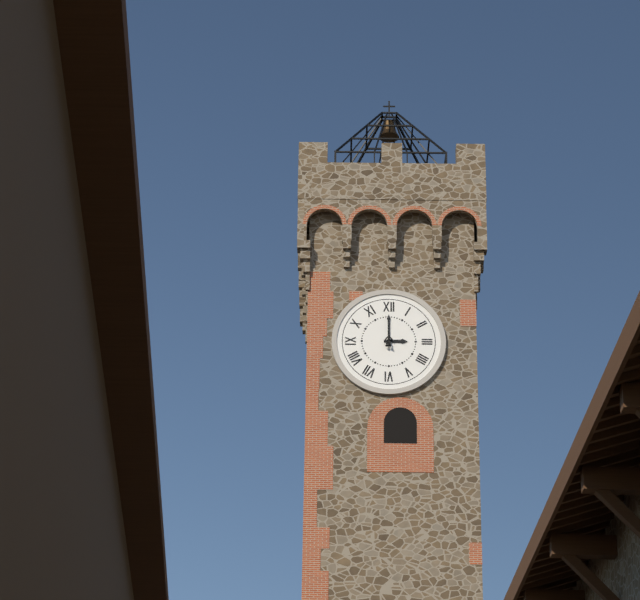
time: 3:00
